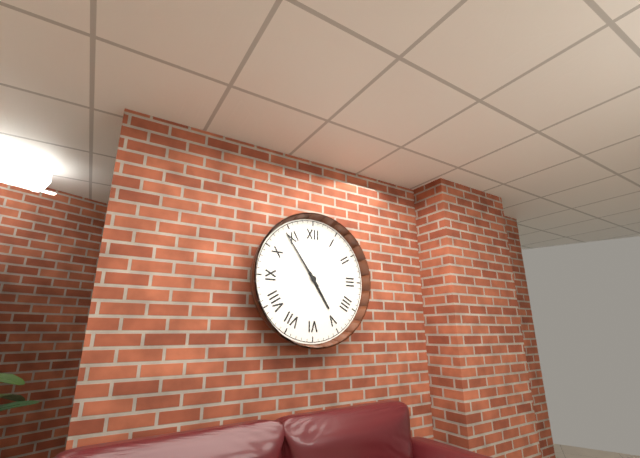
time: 4:54
